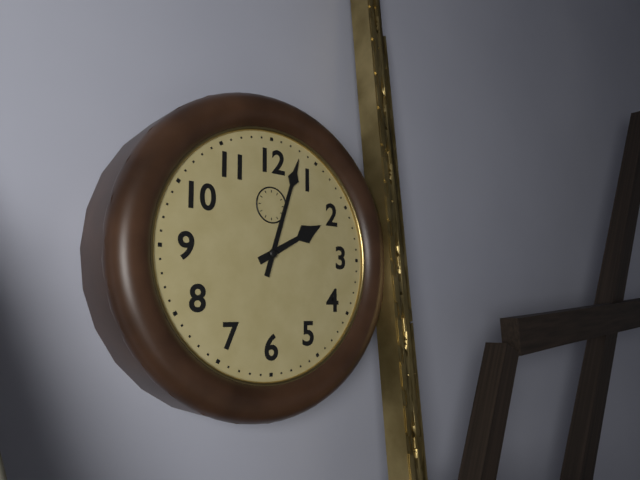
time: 2:03
